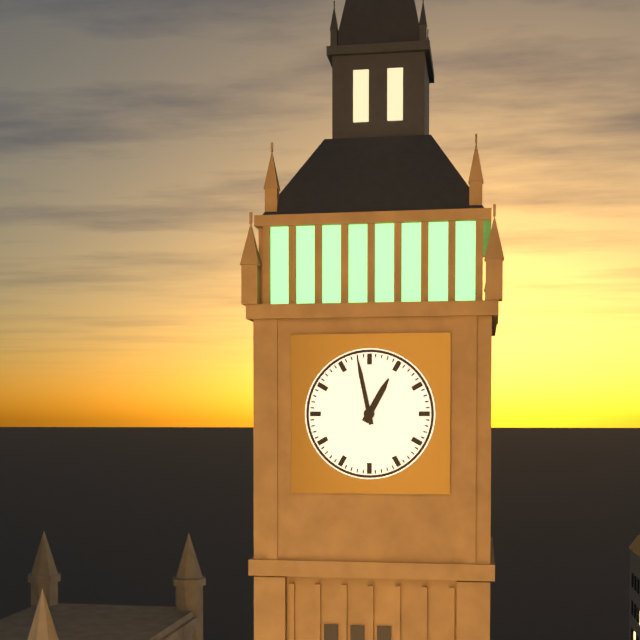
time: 12:58
